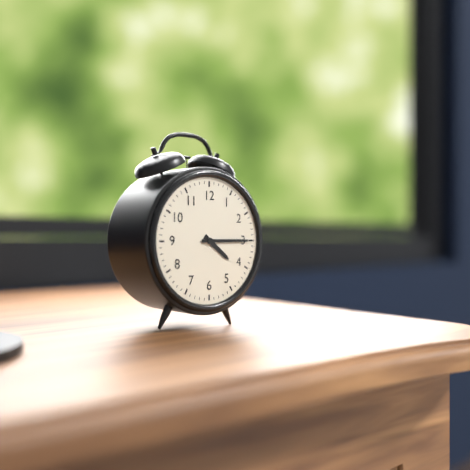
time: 4:15
